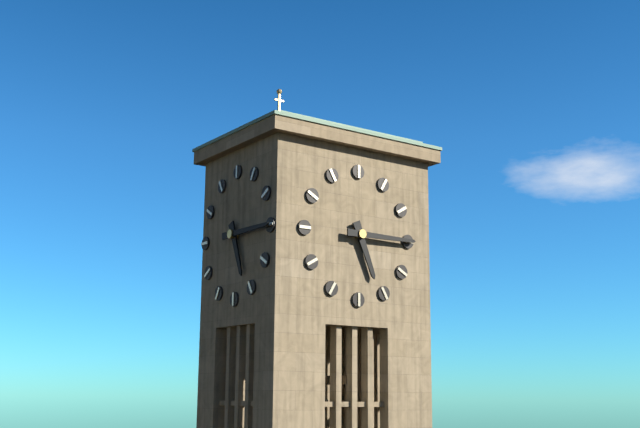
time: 5:15
